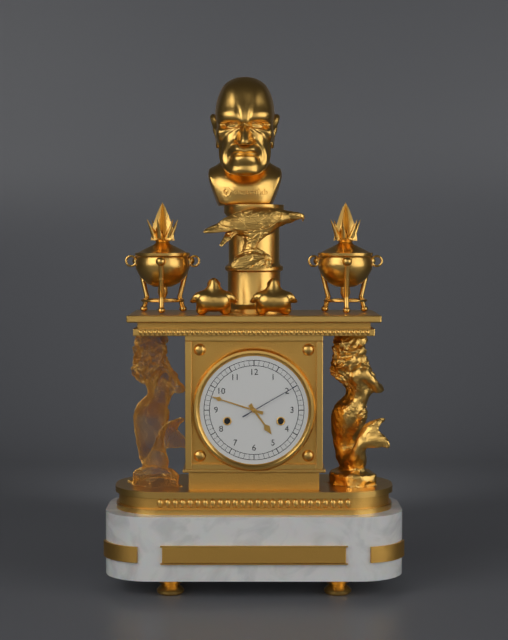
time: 4:48:10
